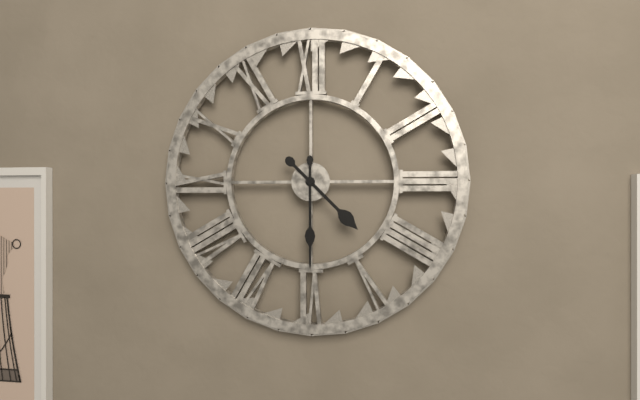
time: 4:30
